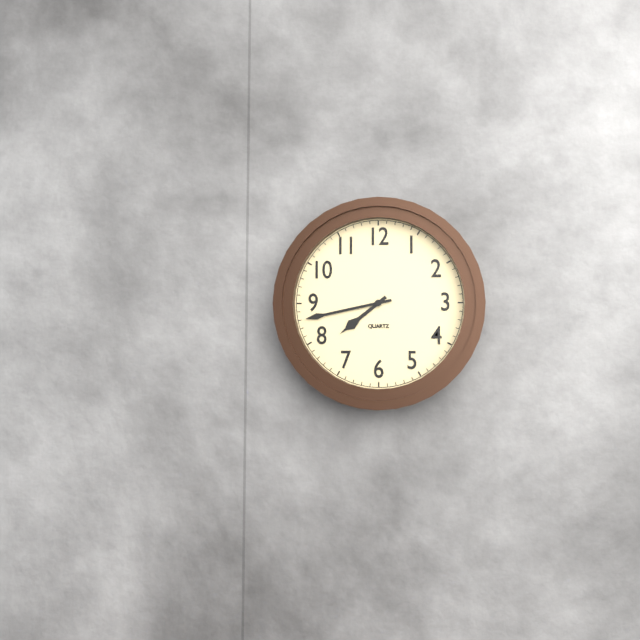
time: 7:43
